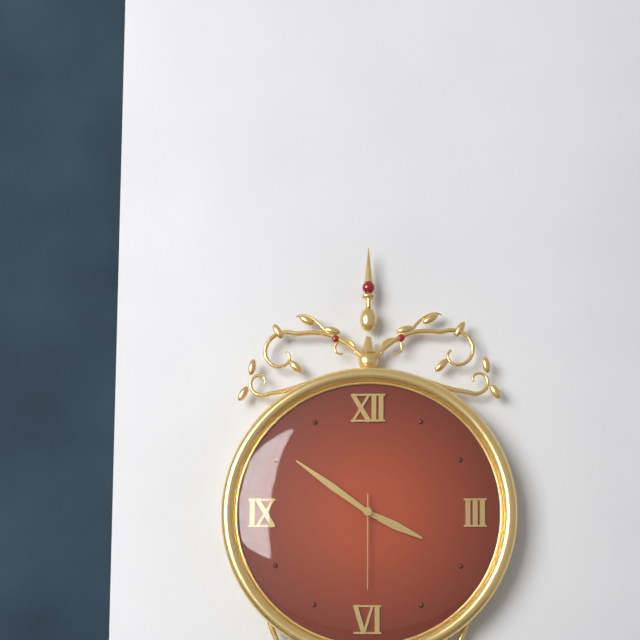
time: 3:51:30
